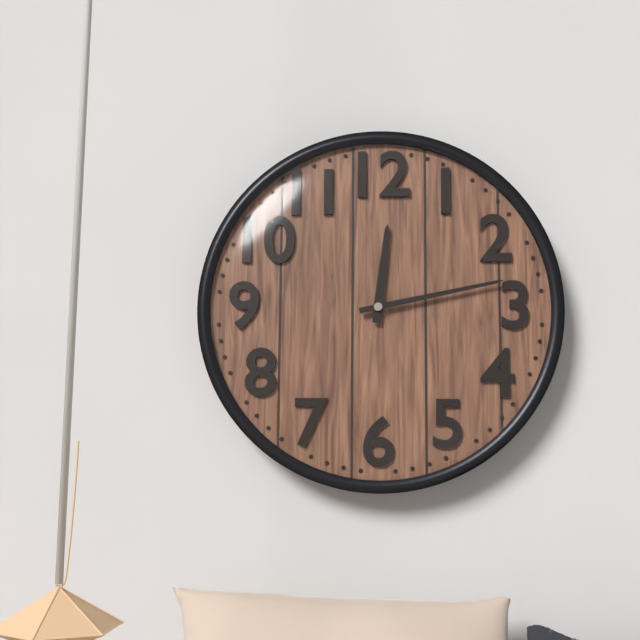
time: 12:13
